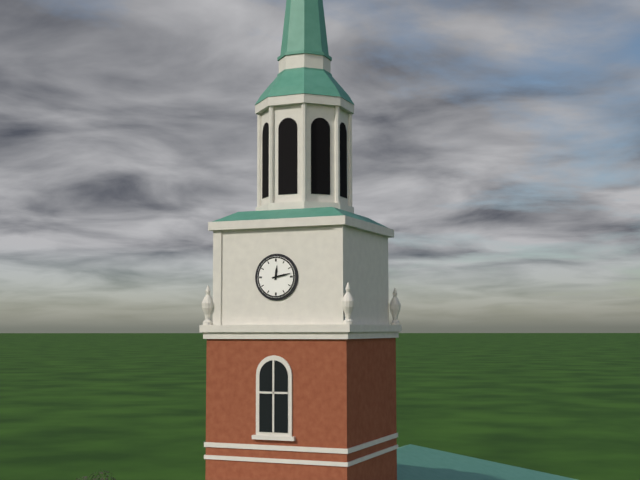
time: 12:13
